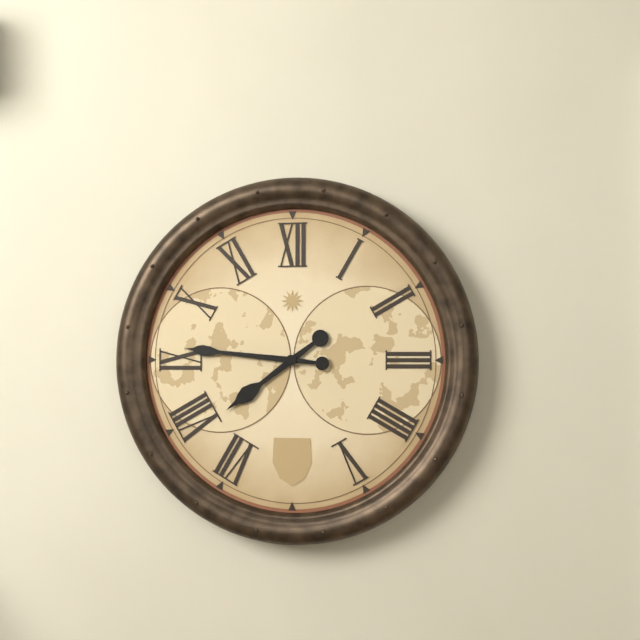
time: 7:46
